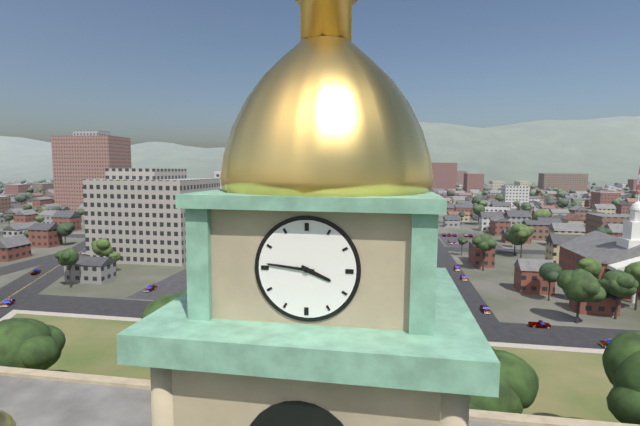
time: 3:46
